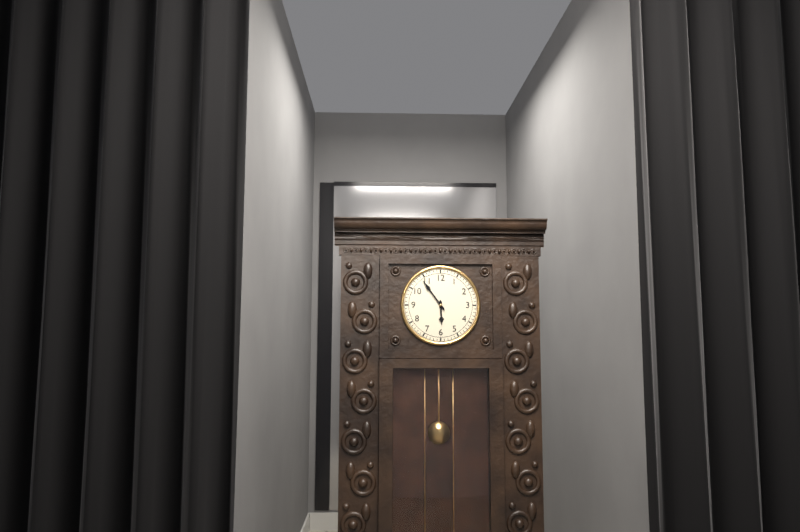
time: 5:54
